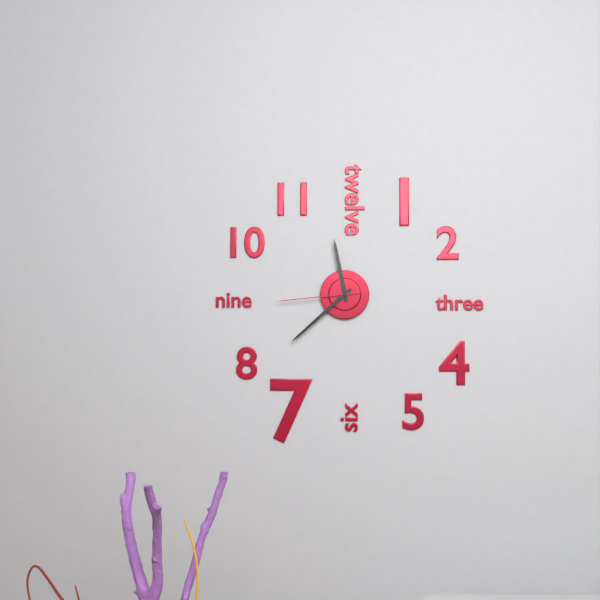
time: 11:38:44
